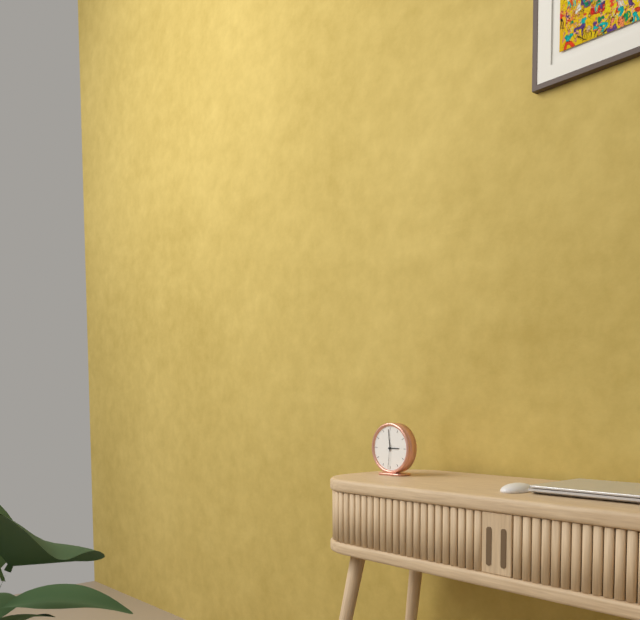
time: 2:59
